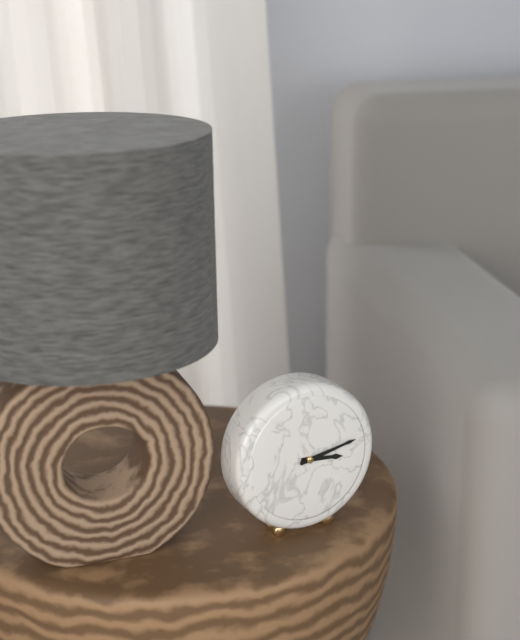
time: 3:13
